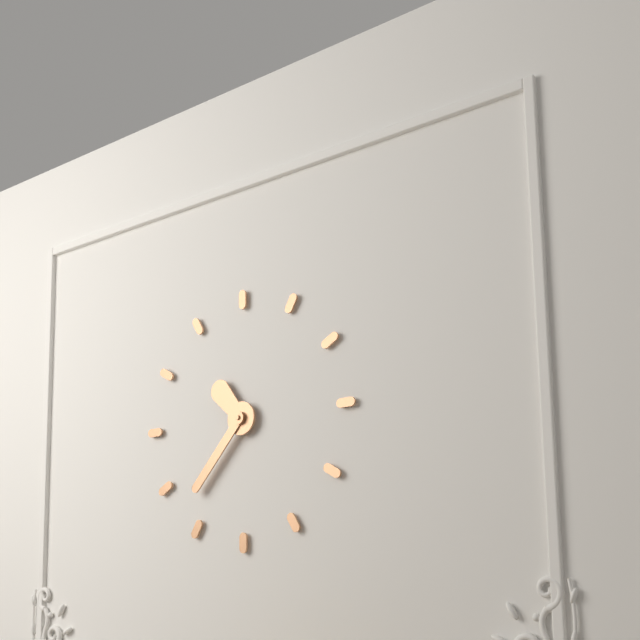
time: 10:37
